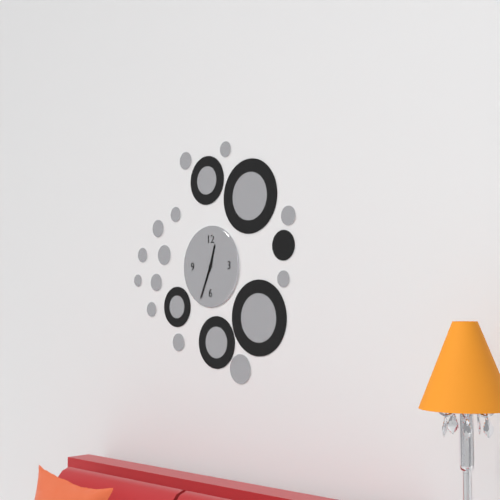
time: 12:34
